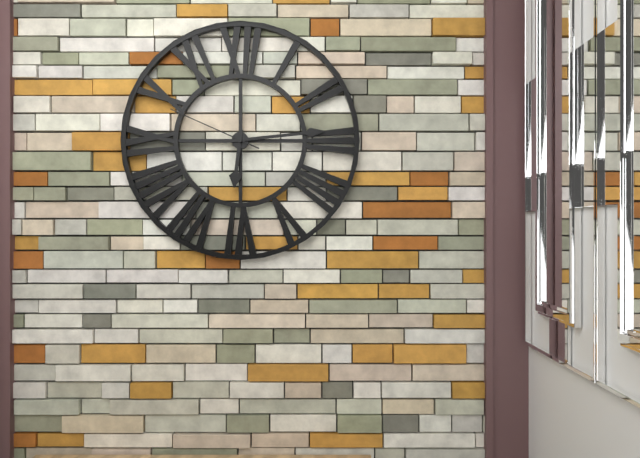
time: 6:14:49
